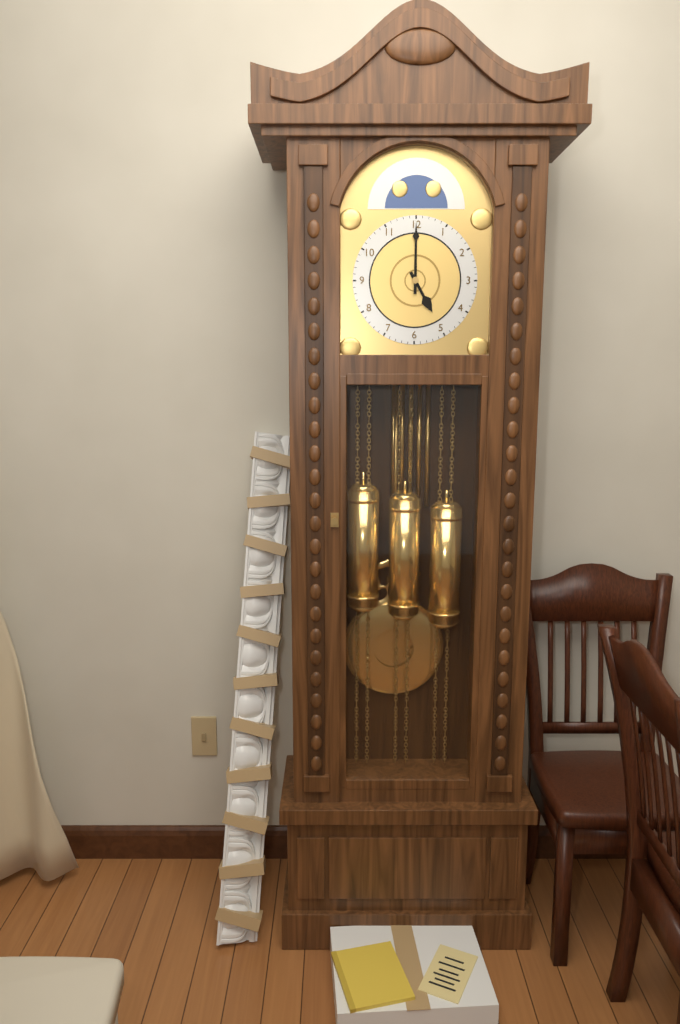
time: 5:00
